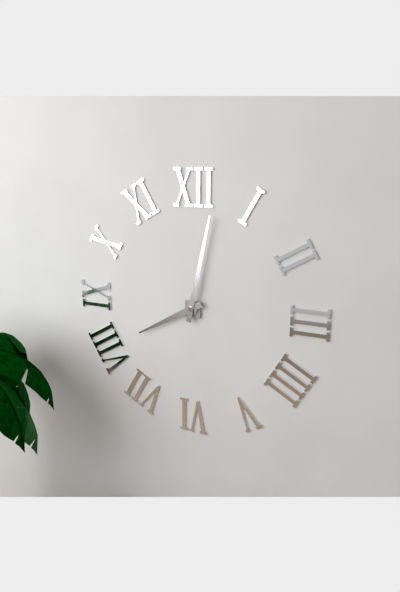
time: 8:02
